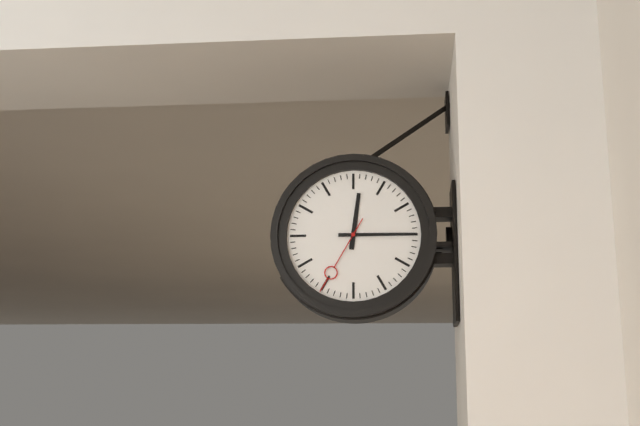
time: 12:15:35
